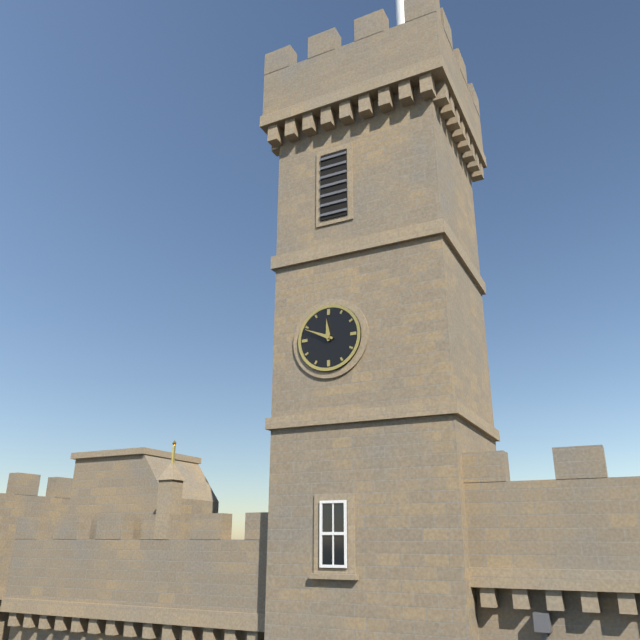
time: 11:49
